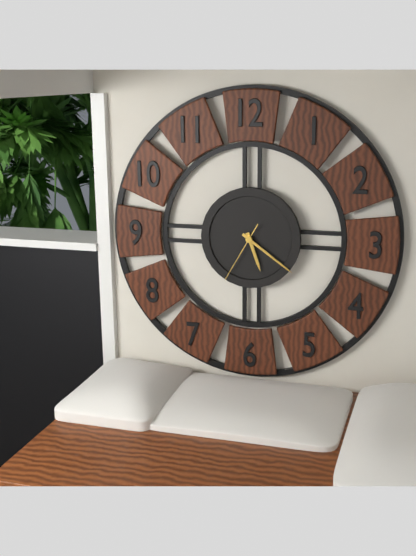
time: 5:21:35
